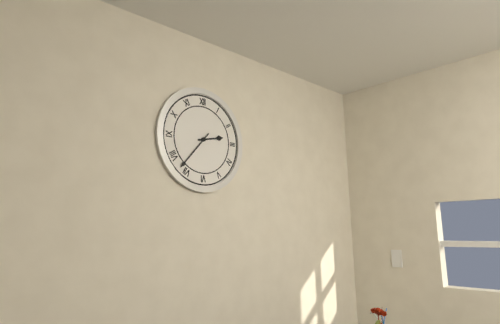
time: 2:37
